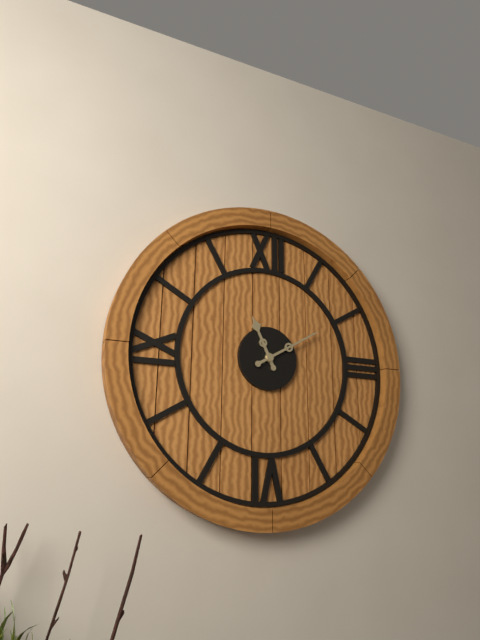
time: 11:10
